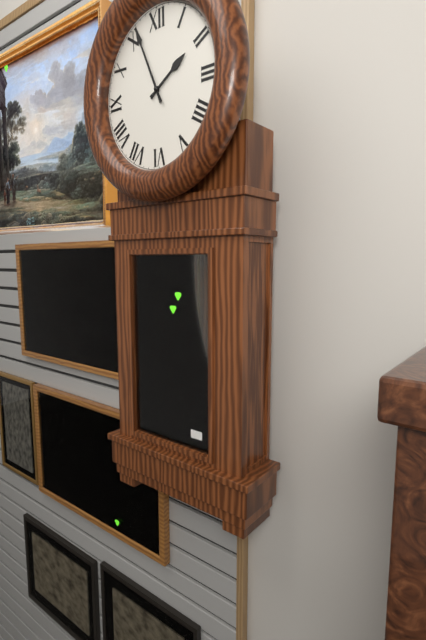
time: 1:56
